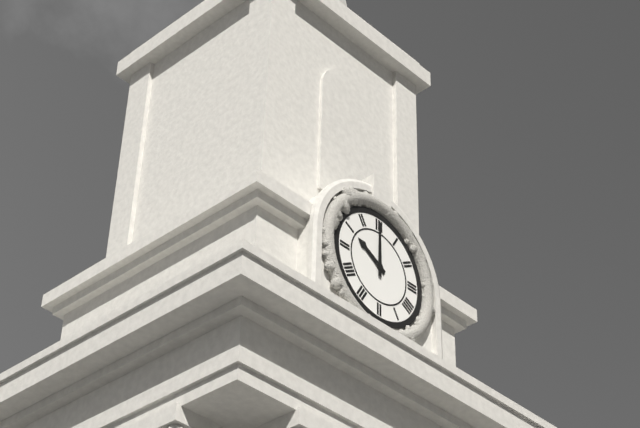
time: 10:00
